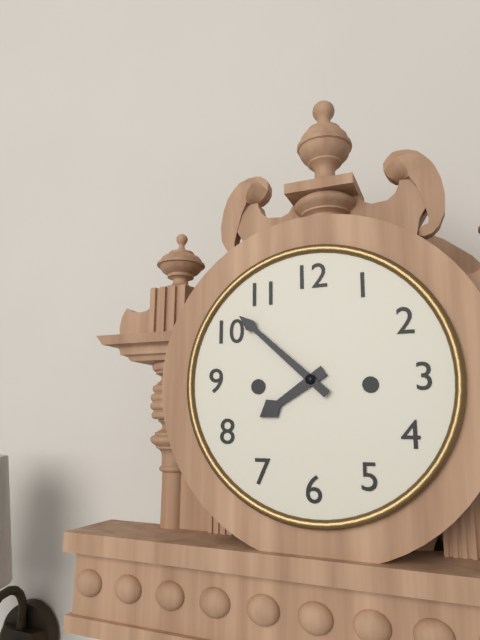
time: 7:52
